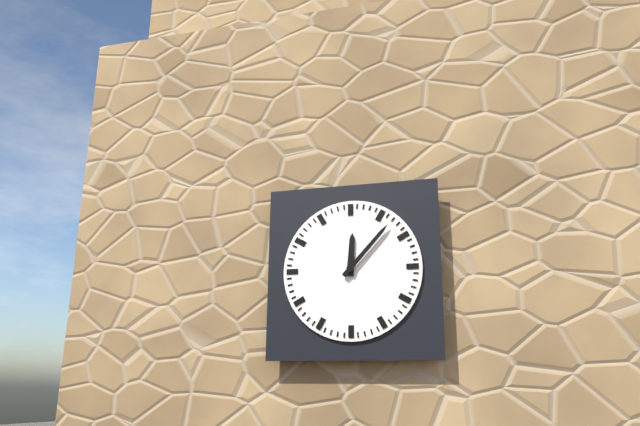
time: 12:07
